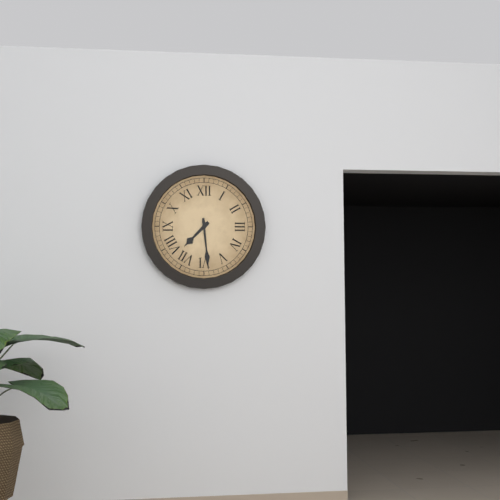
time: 7:29
